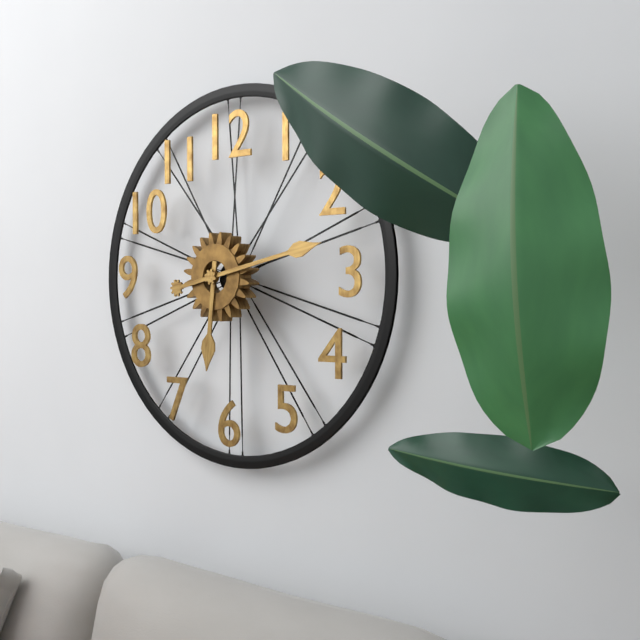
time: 6:13
